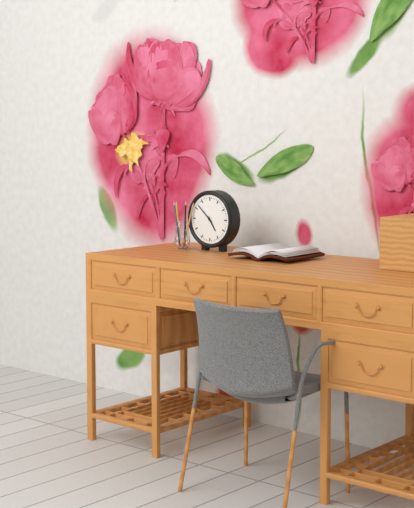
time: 4:52
